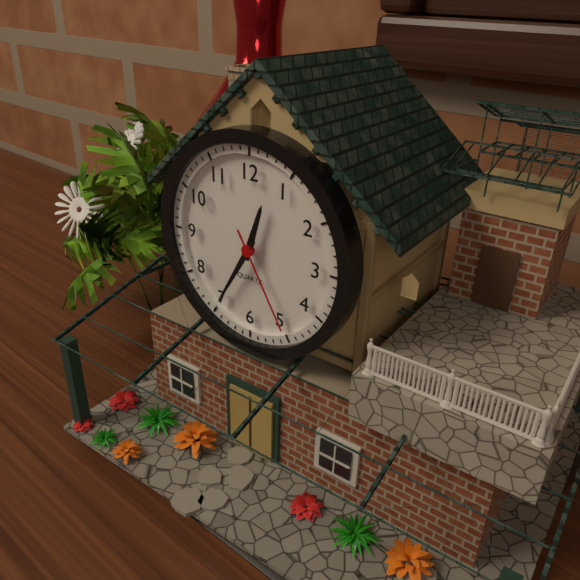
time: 12:35:25
